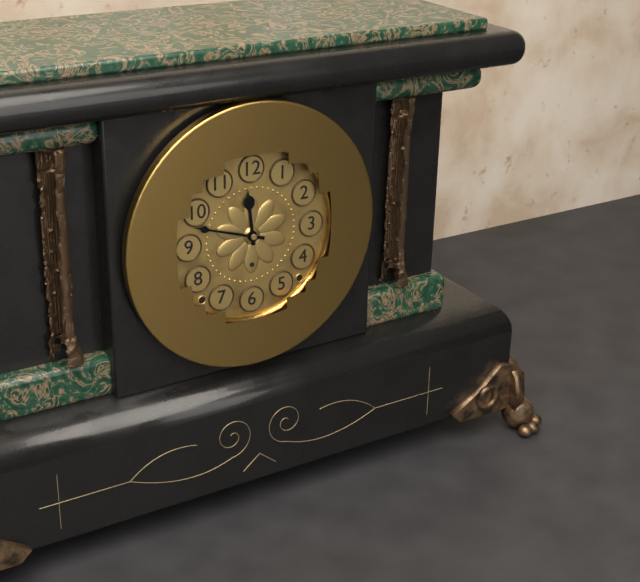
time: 11:48
